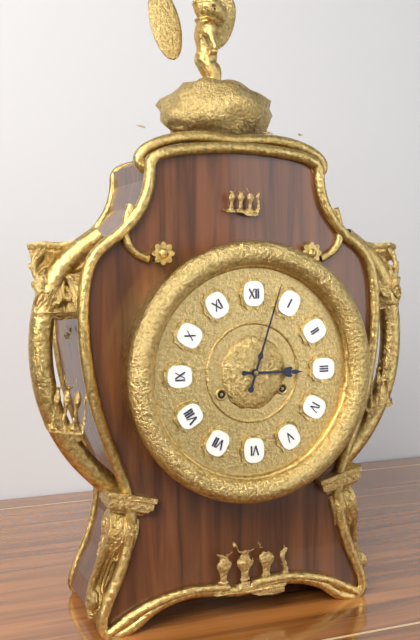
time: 3:03
